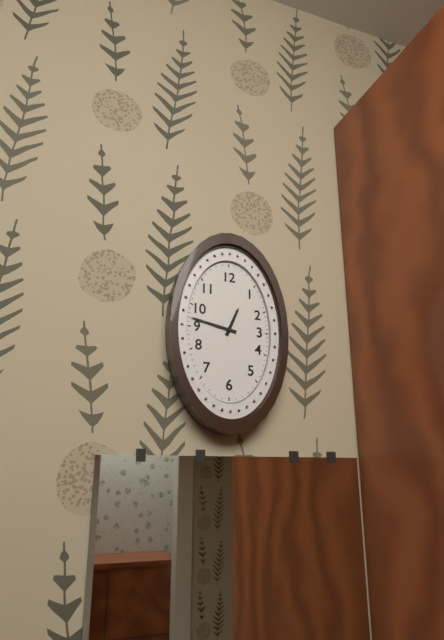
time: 12:47
